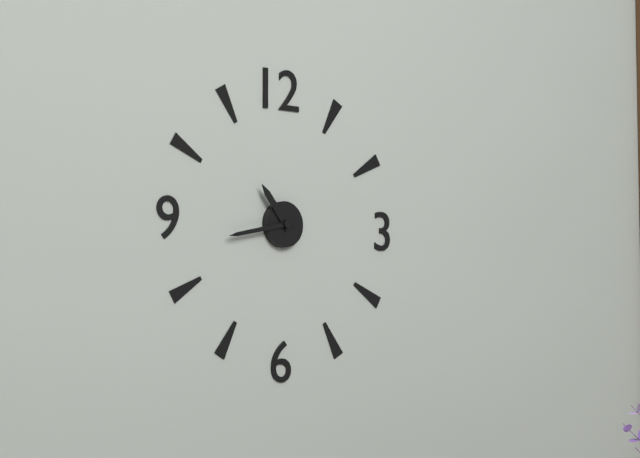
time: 10:43
